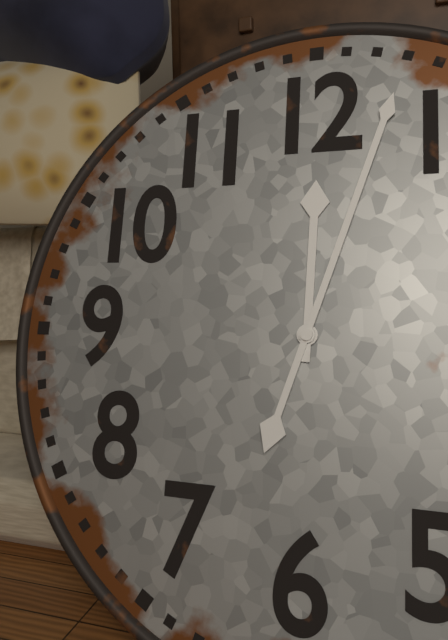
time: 12:03
